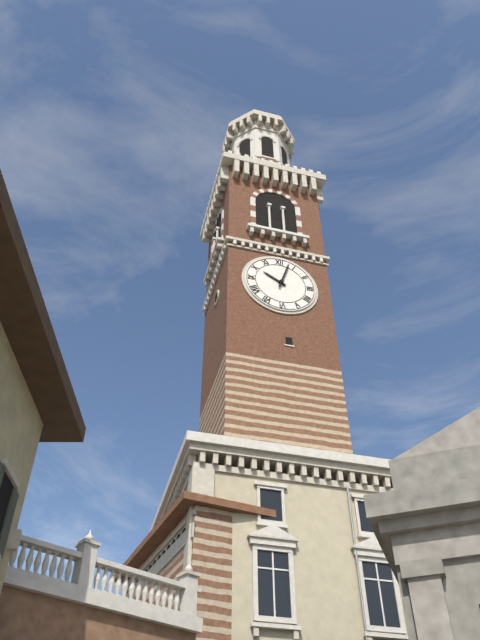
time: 10:03
